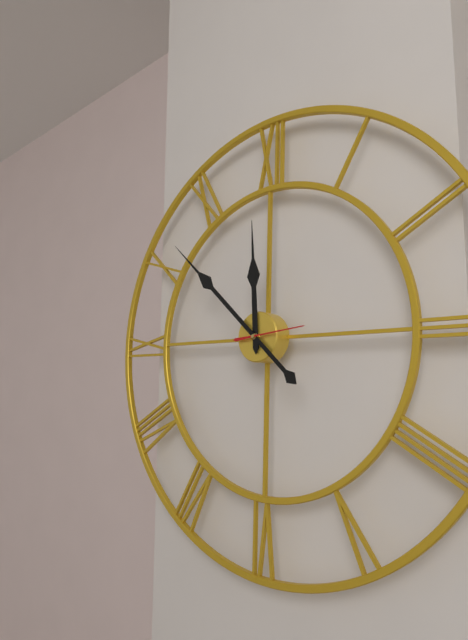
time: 11:52
